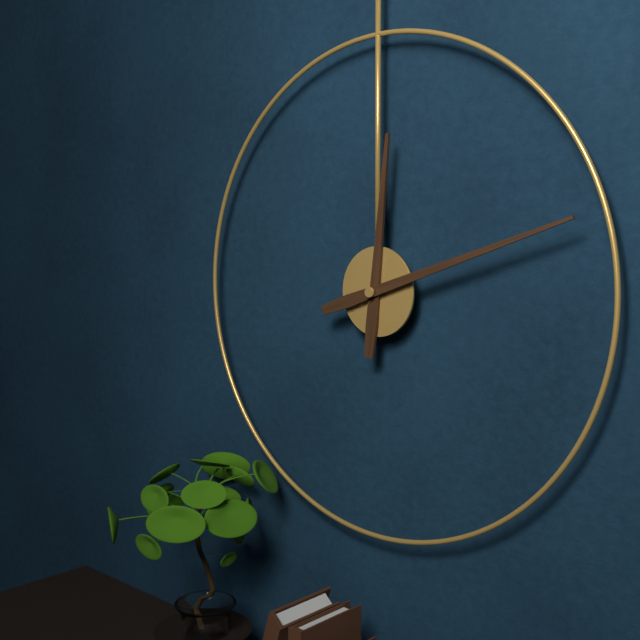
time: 12:12
